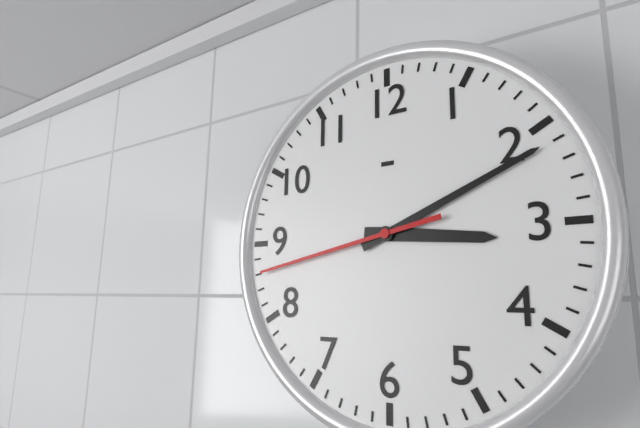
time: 3:11:43
